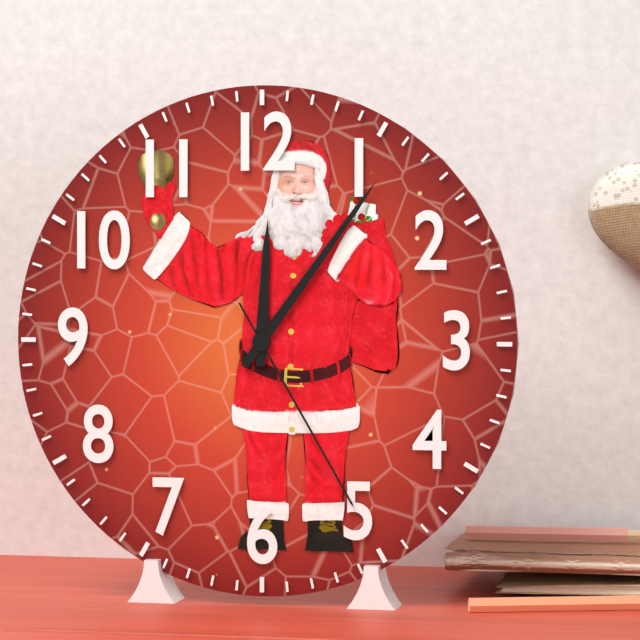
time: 12:06:25
